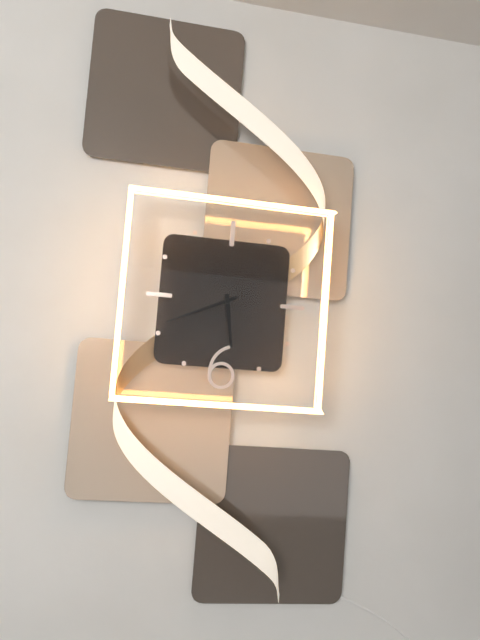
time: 5:41:41
